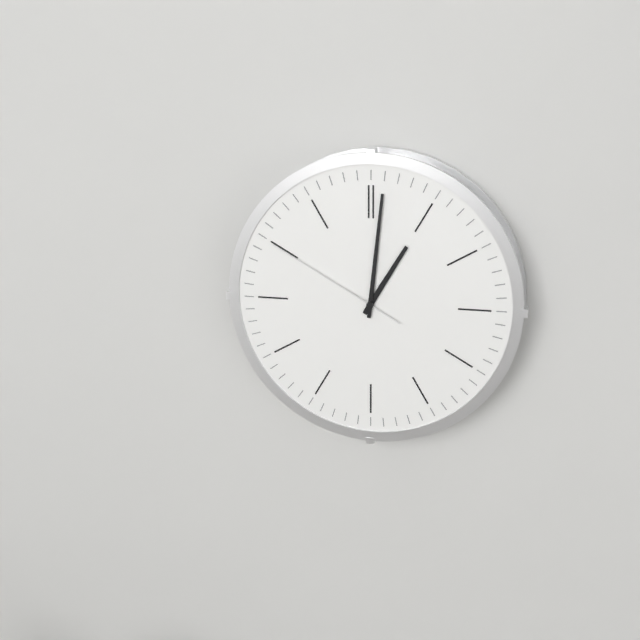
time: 1:01:50
